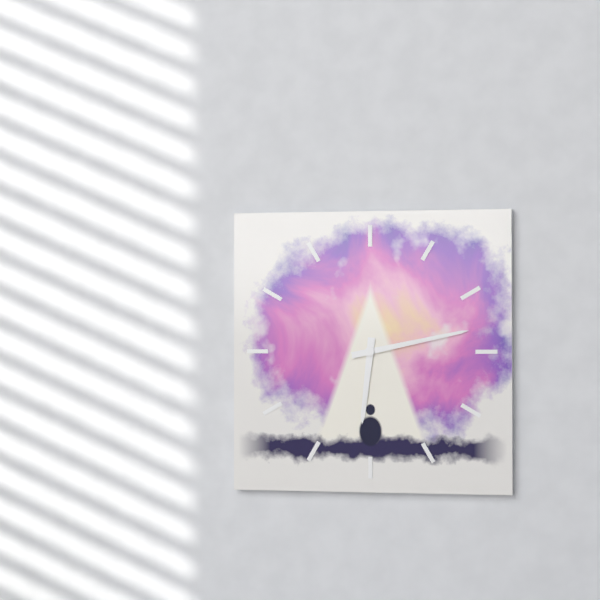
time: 6:13
